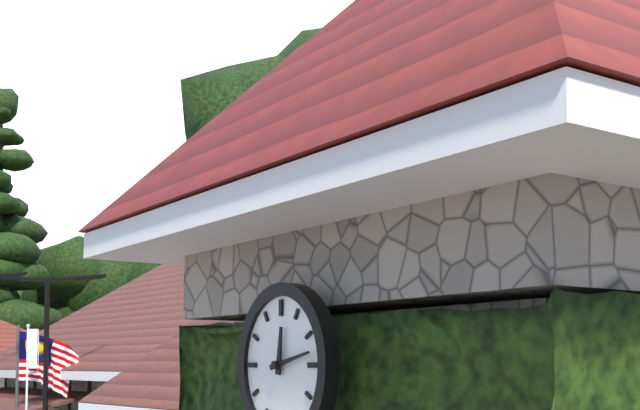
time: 12:13
